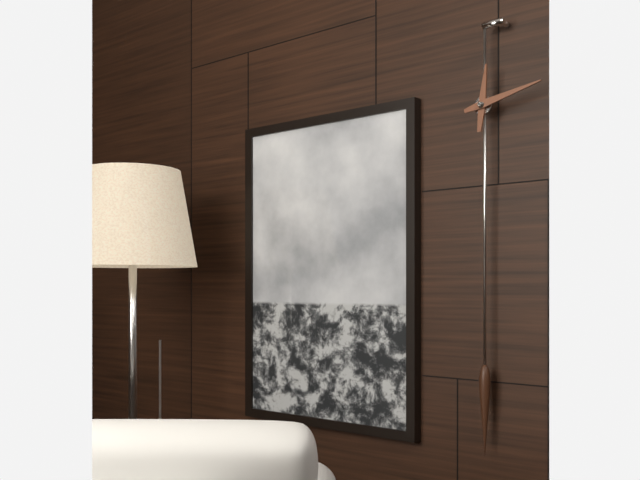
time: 12:13
